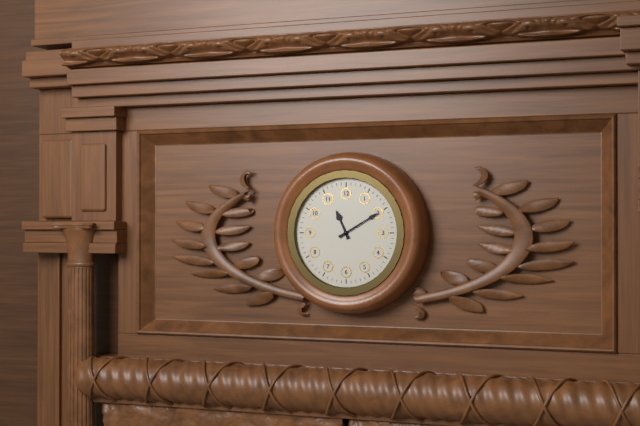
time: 11:10
